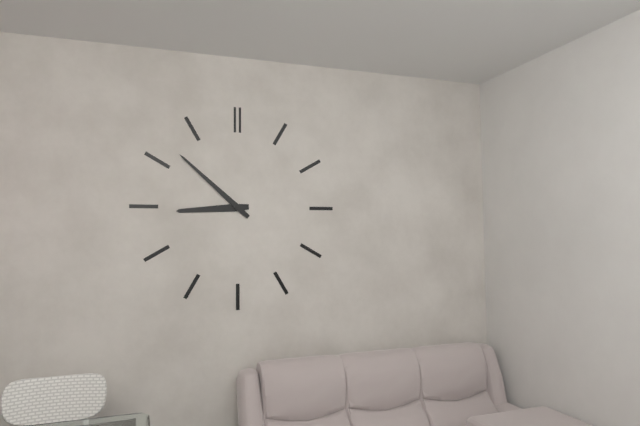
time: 8:52
